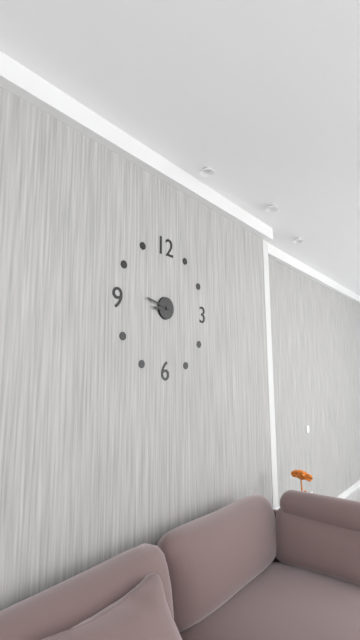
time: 8:47
